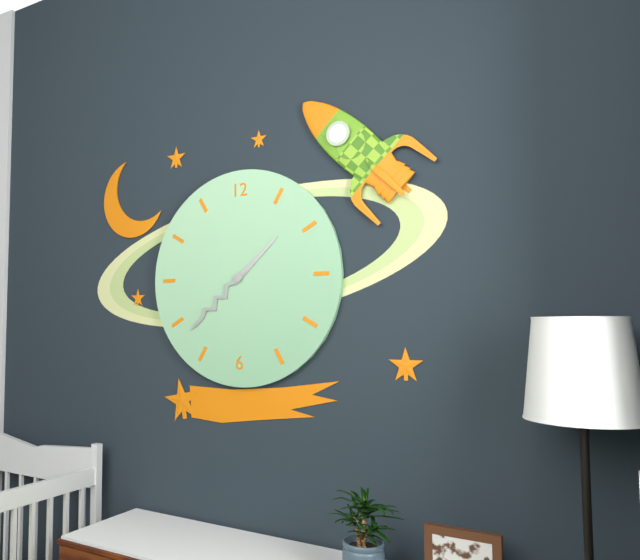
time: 1:38
